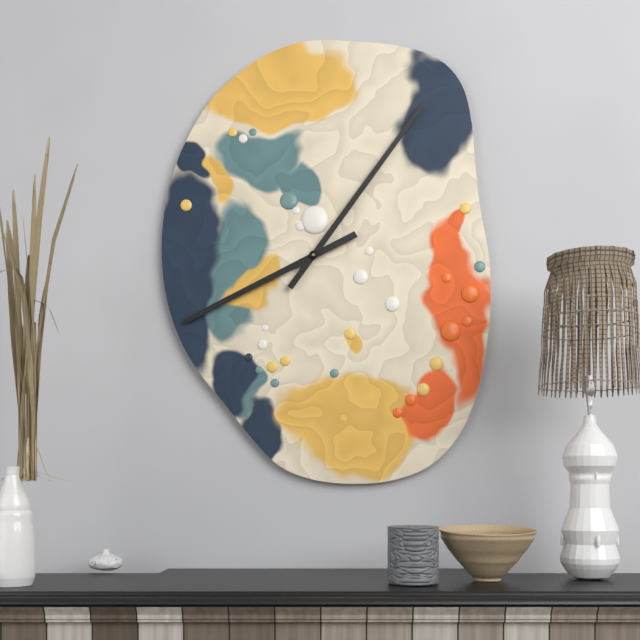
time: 8:06
